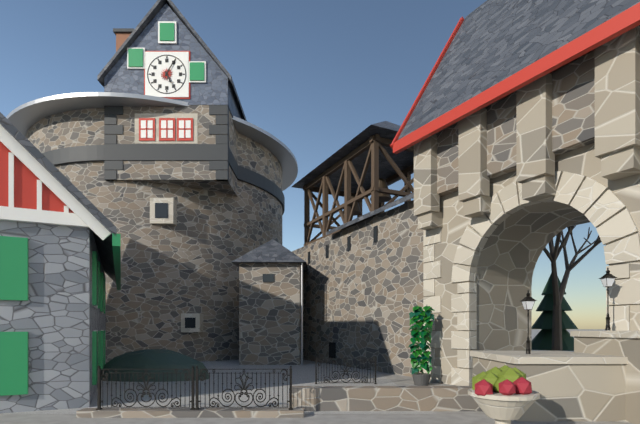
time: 5:05
